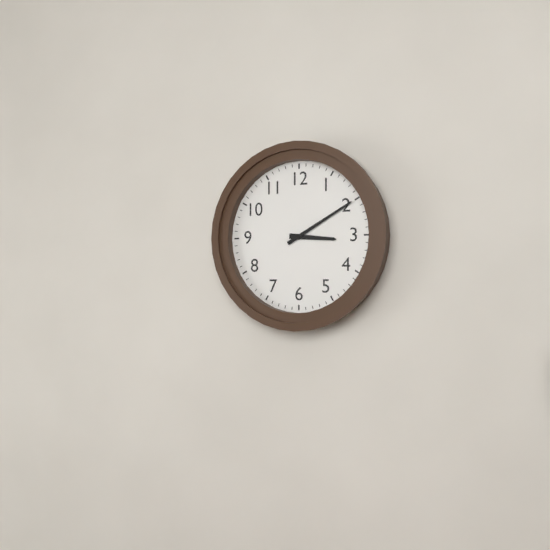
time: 3:10
